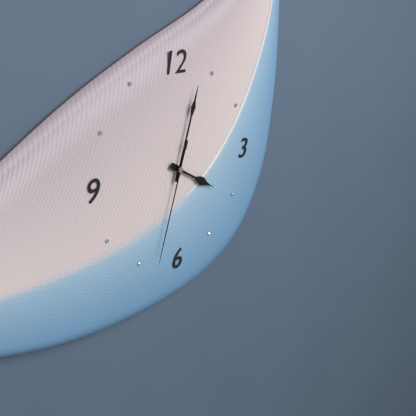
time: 4:03:33
